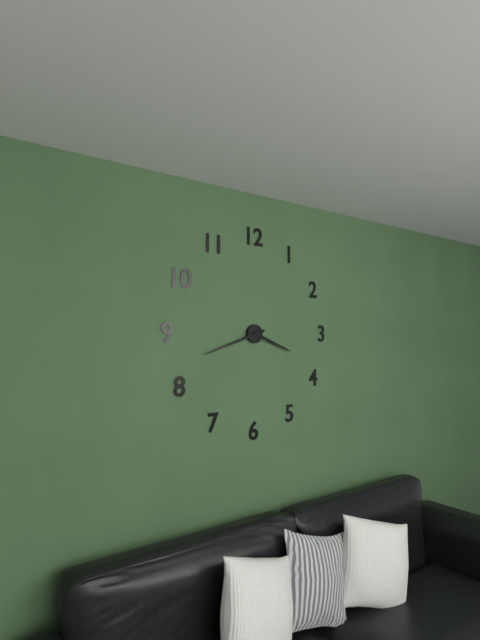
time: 3:42
